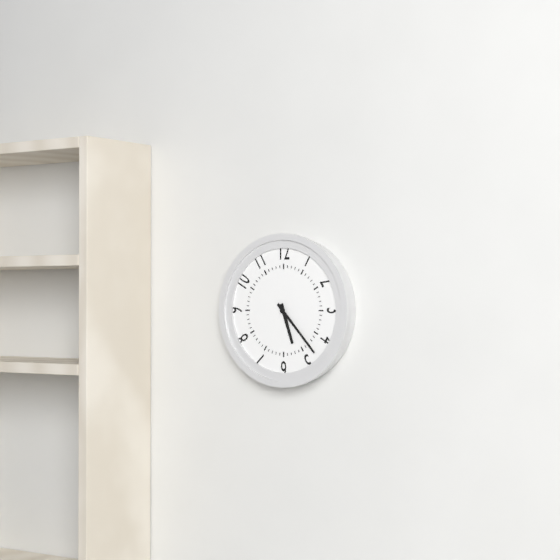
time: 5:23
